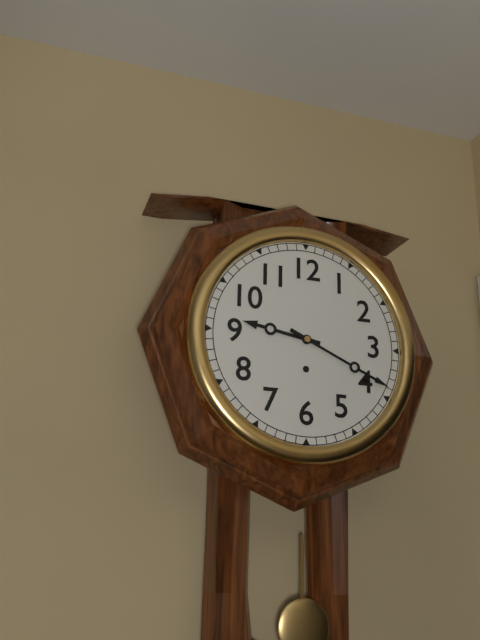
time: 9:19
